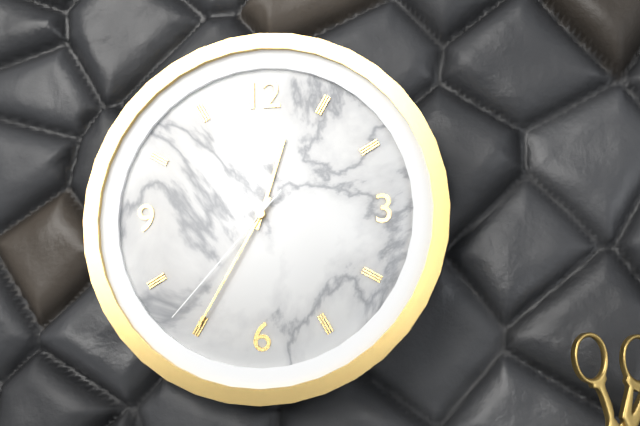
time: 12:35:37
